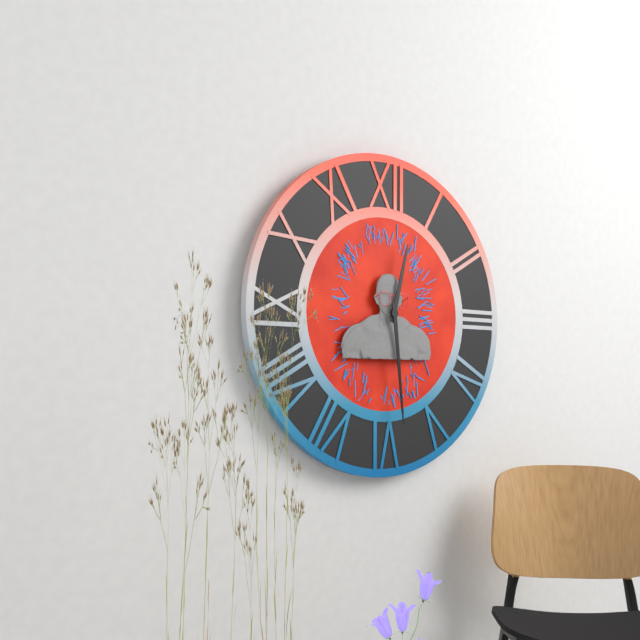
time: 12:29
